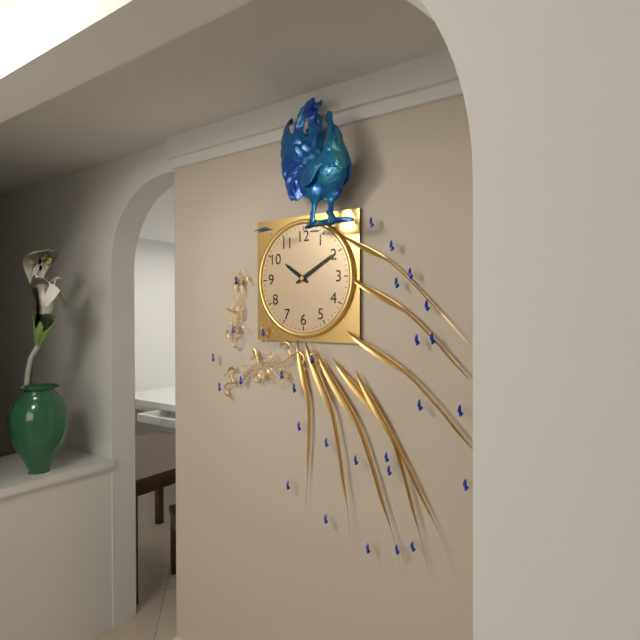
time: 10:10
